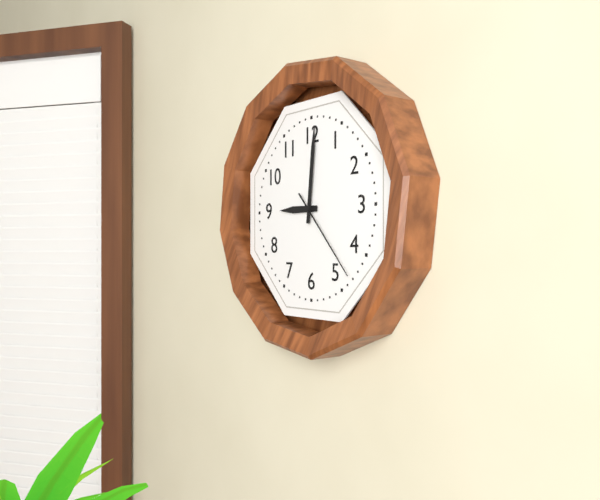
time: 9:01:23
